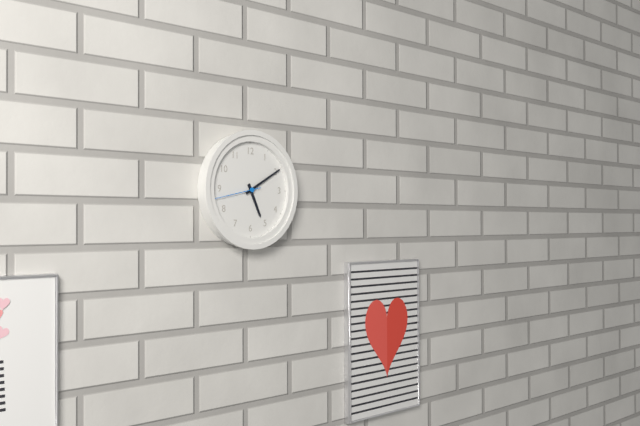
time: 5:10
